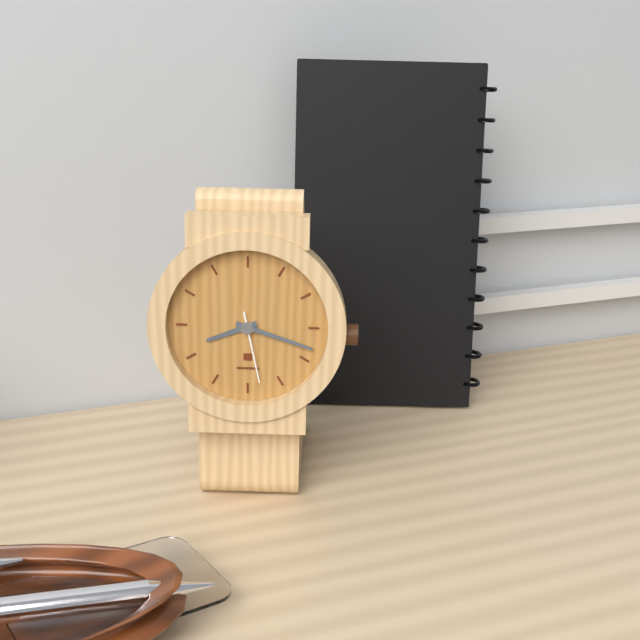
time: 8:18:28
